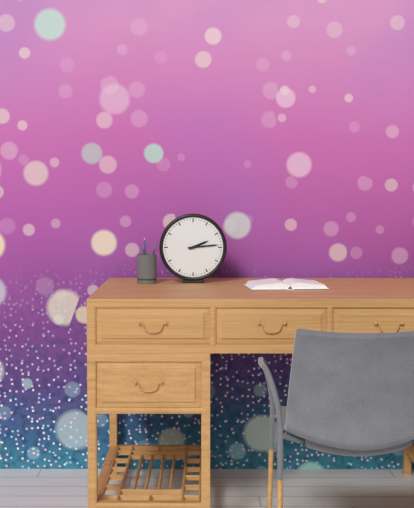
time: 2:14
